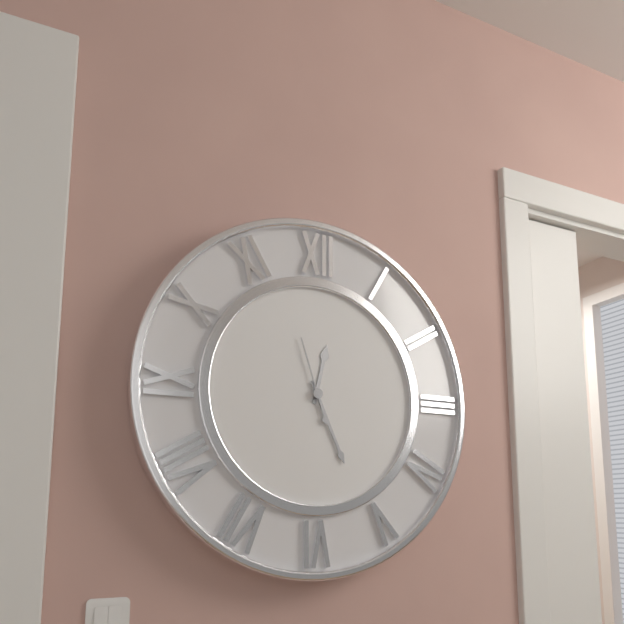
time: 12:26:57
